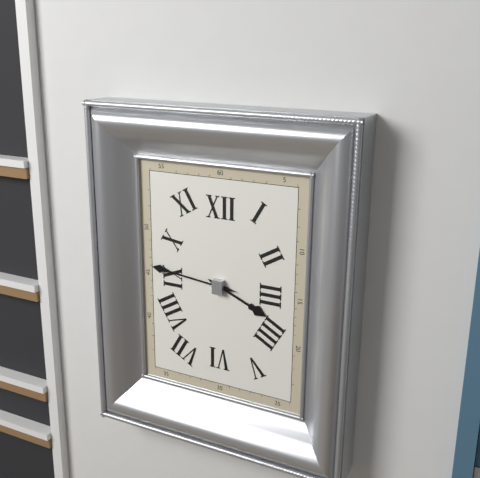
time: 3:46
